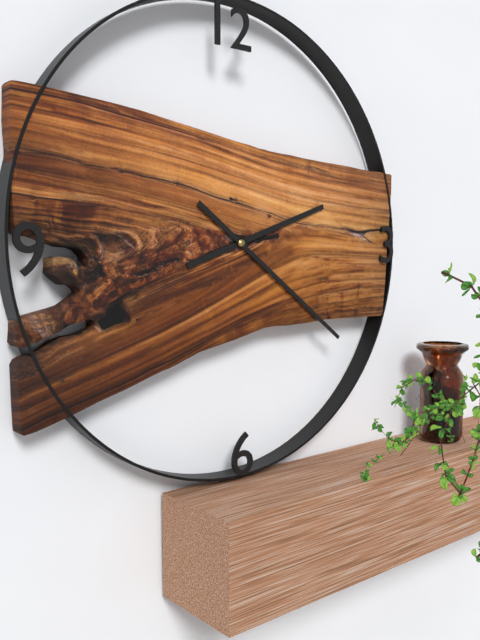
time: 2:21
